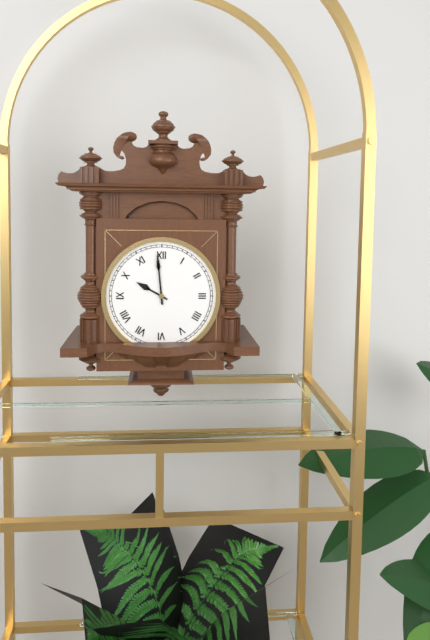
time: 9:59
